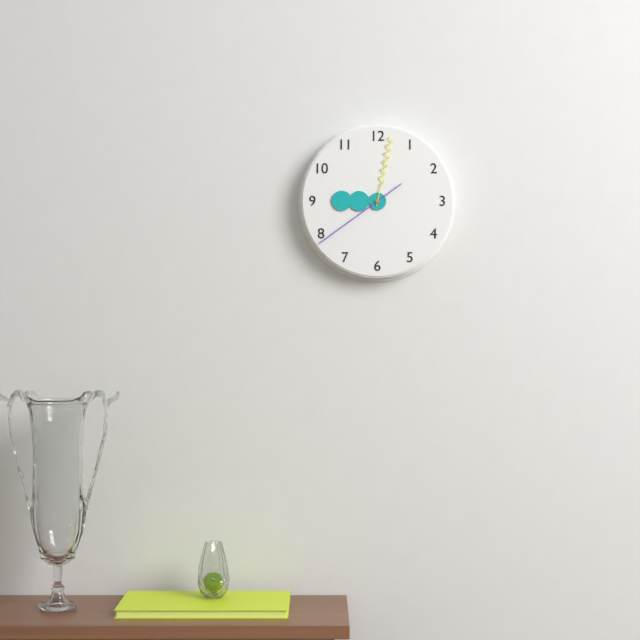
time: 9:02:39
